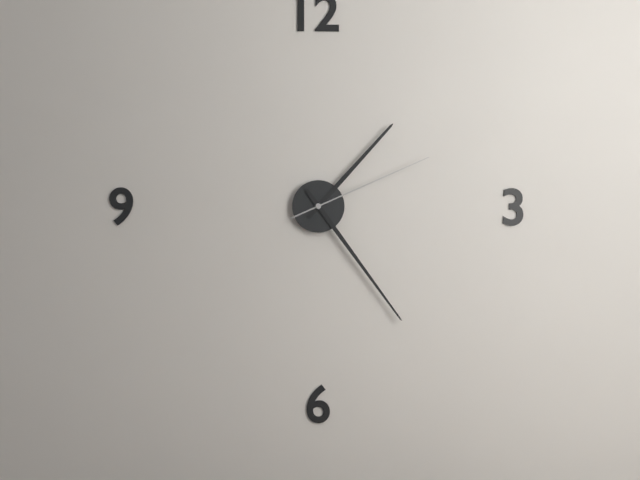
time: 1:24:11
